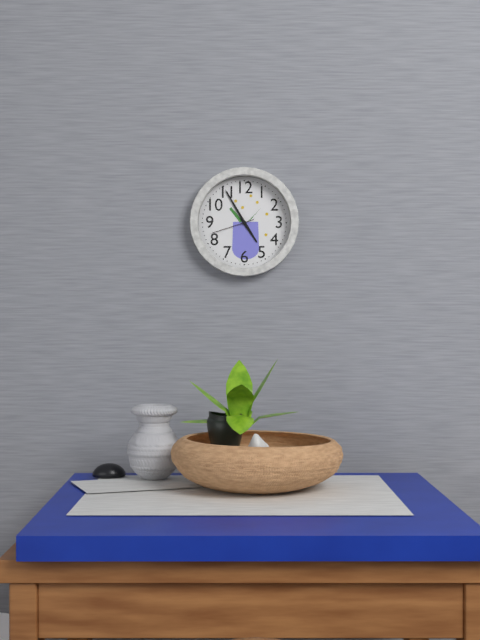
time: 4:55
